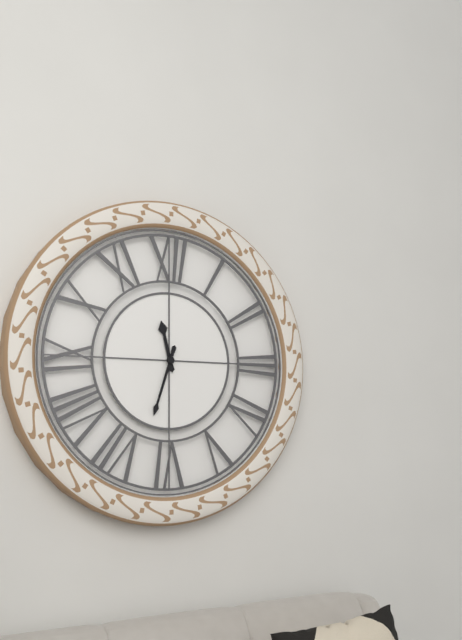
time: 11:33
